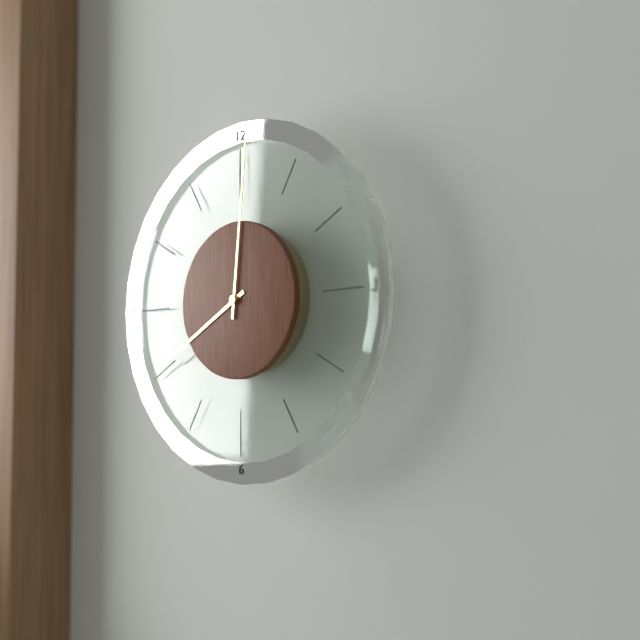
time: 8:01
